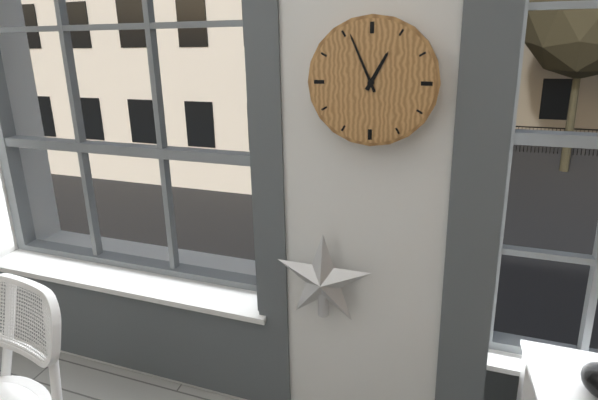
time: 12:56
